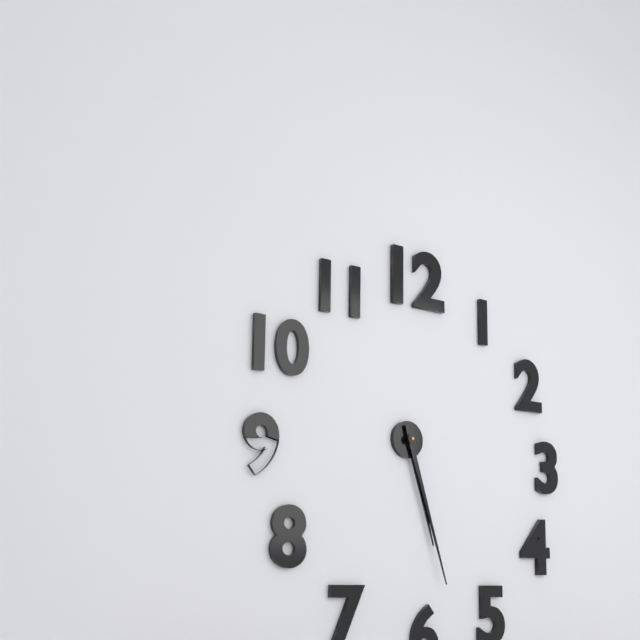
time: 5:27
